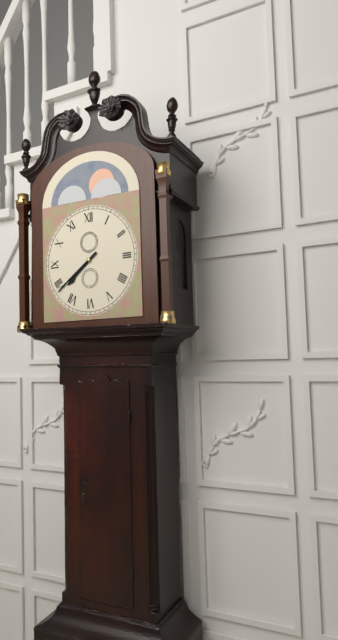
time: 7:39
